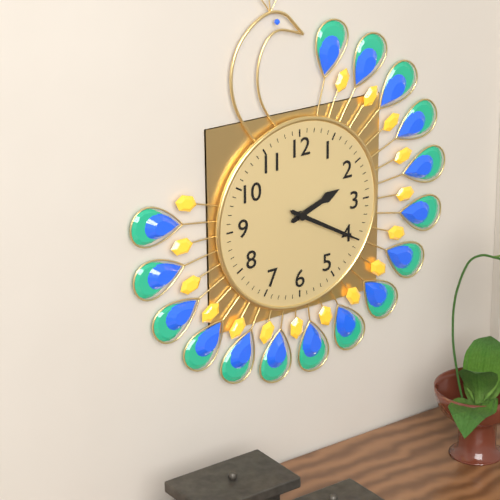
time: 2:20
